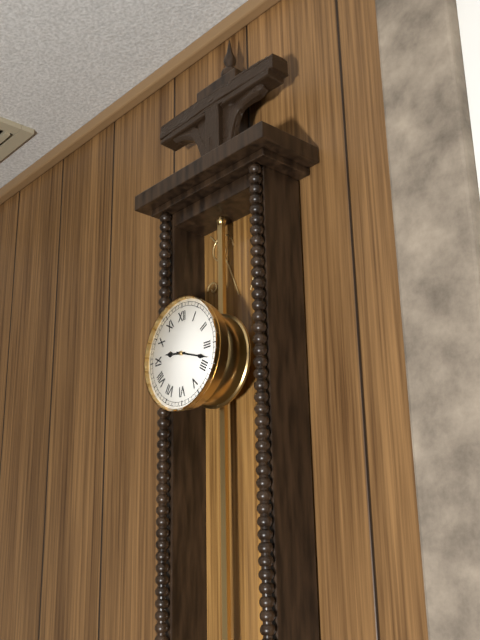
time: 9:18
